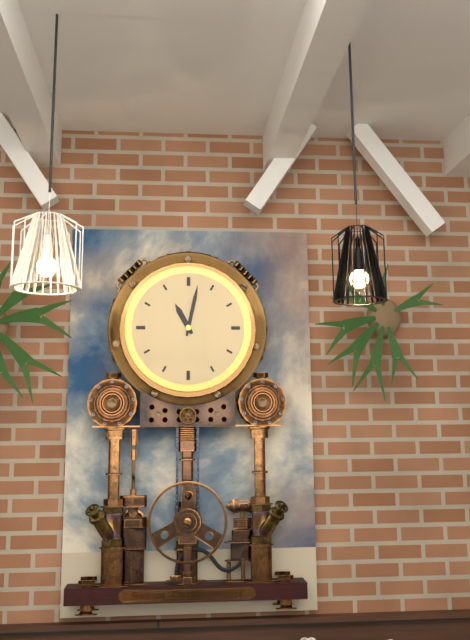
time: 11:02
